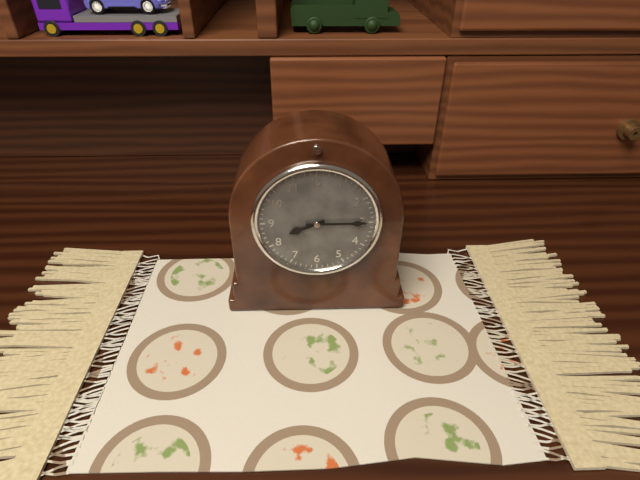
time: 8:15
